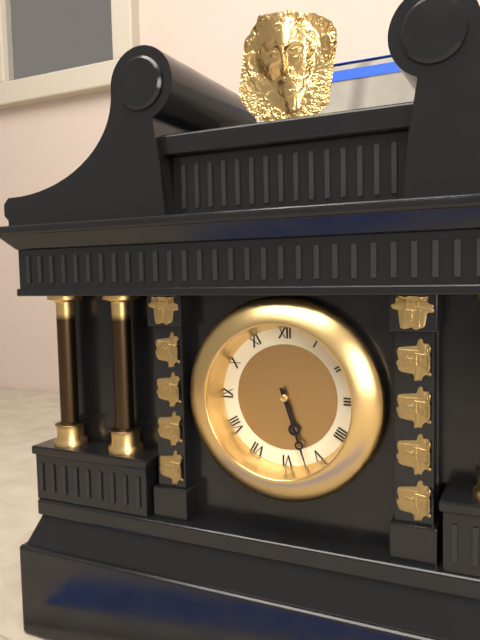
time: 5:27
